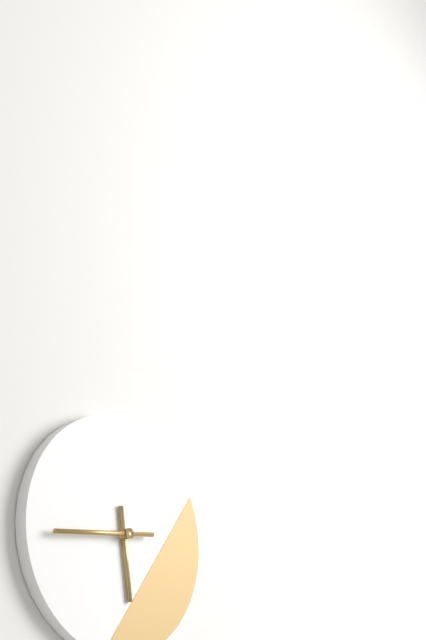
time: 5:44
